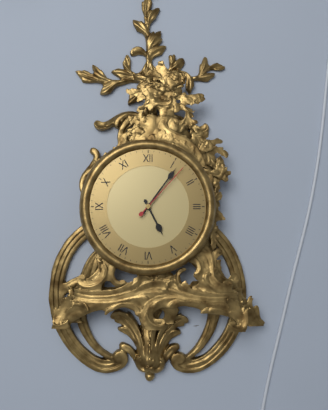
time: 5:06:07
